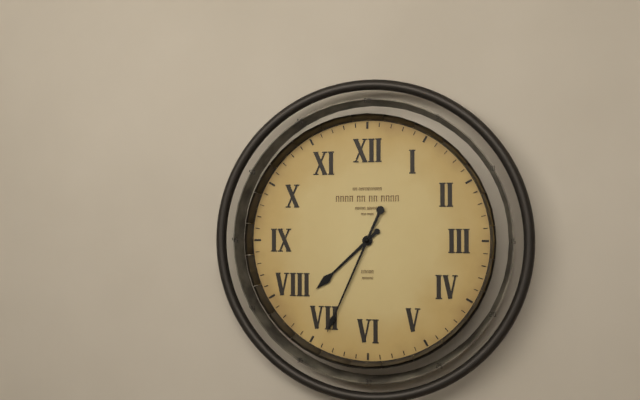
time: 7:34
